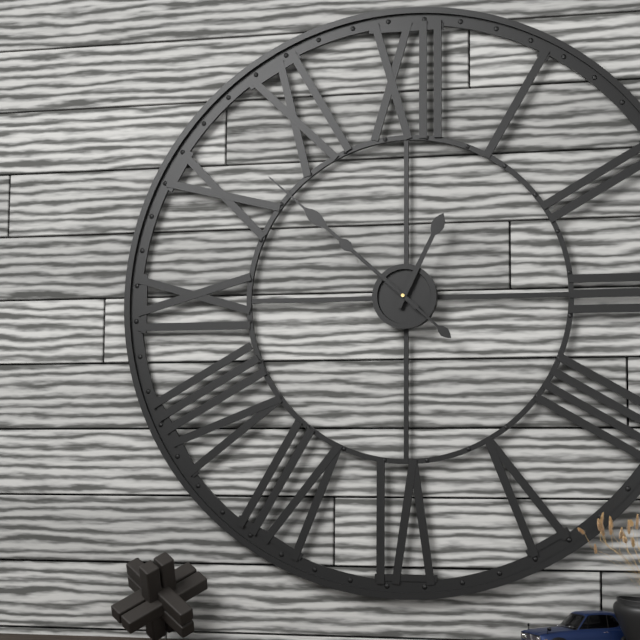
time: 12:52:52
